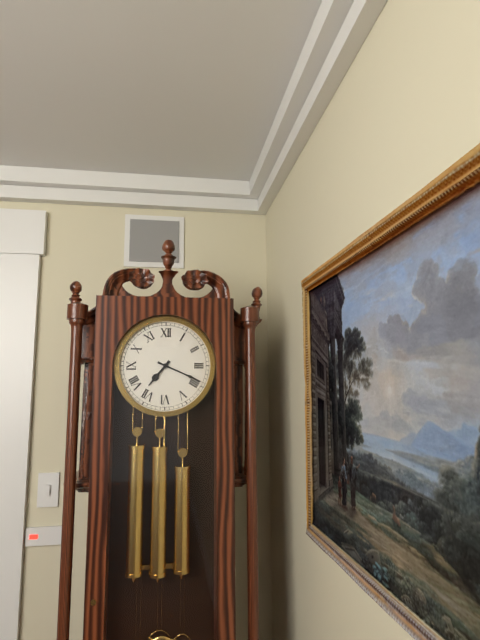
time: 7:19
